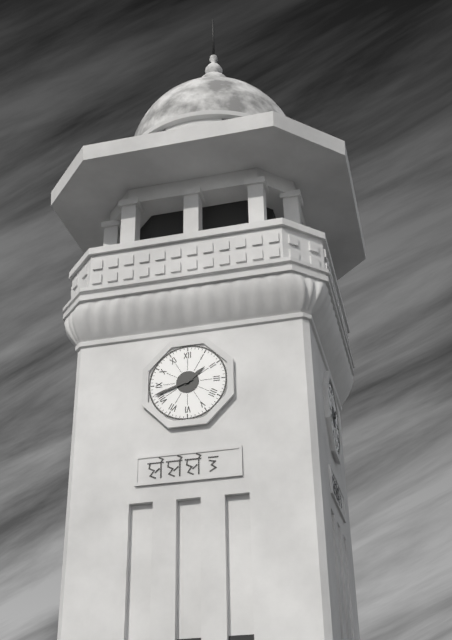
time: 1:42
